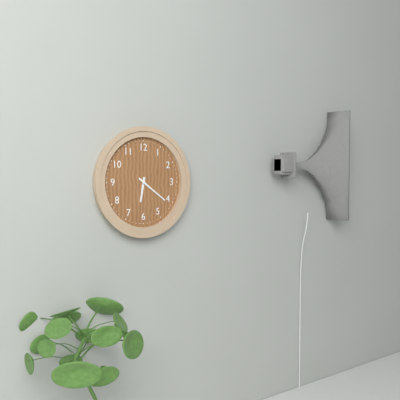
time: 6:21
